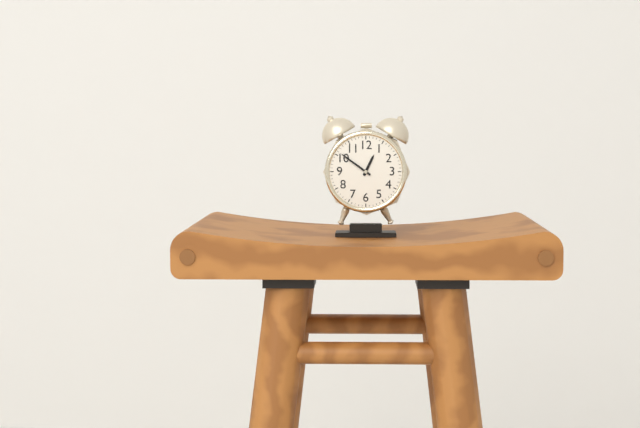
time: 12:51
